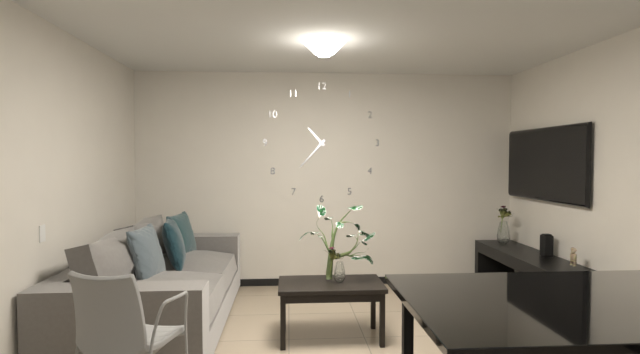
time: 10:37
